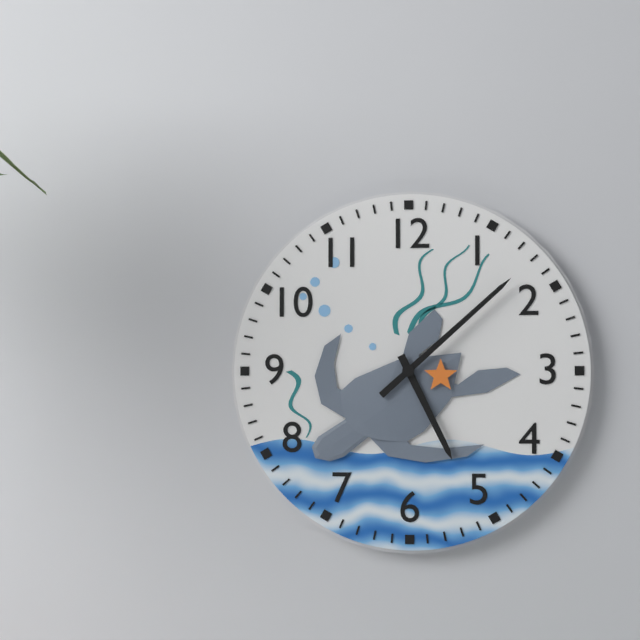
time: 5:08
